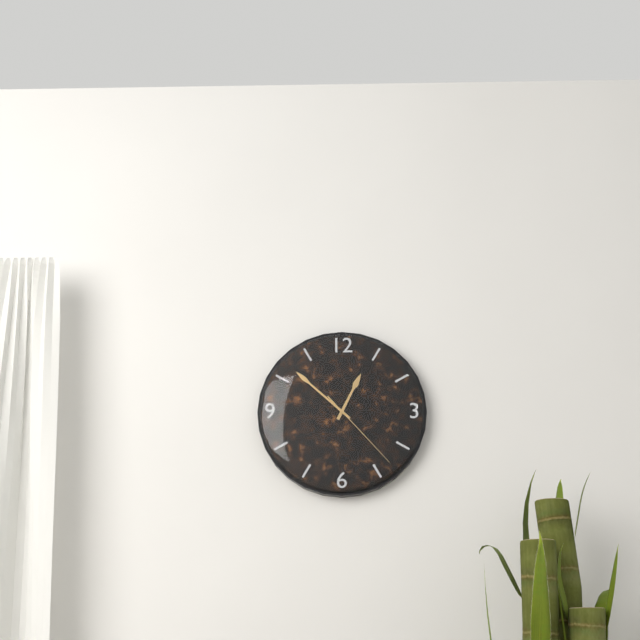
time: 12:52:23
